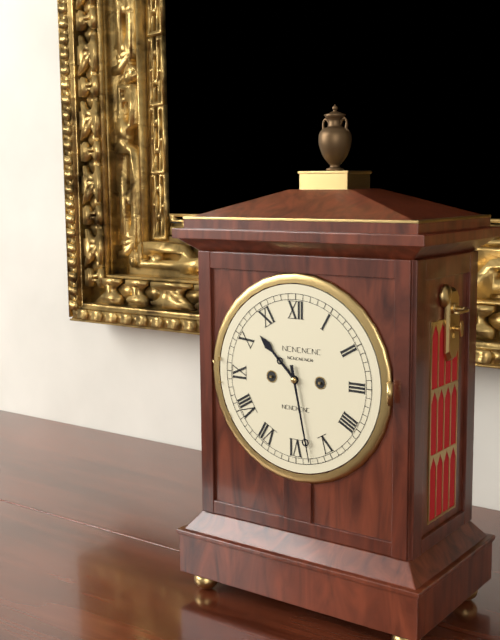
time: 10:28
